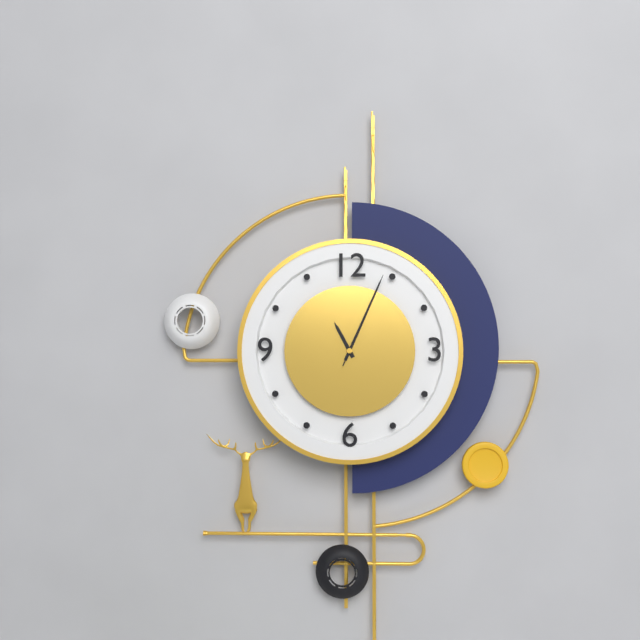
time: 11:04:04
